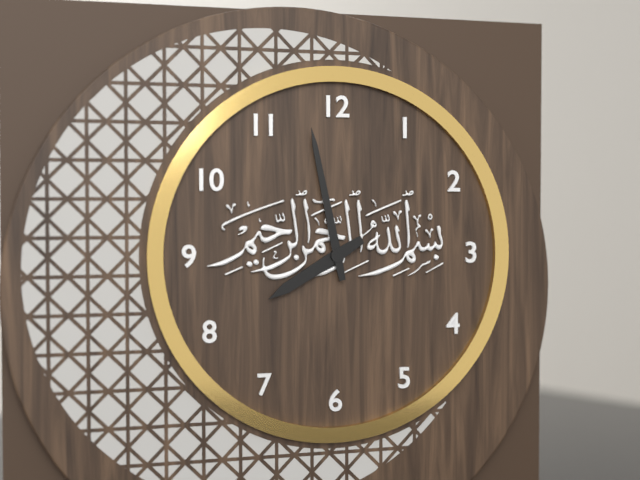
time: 7:58
